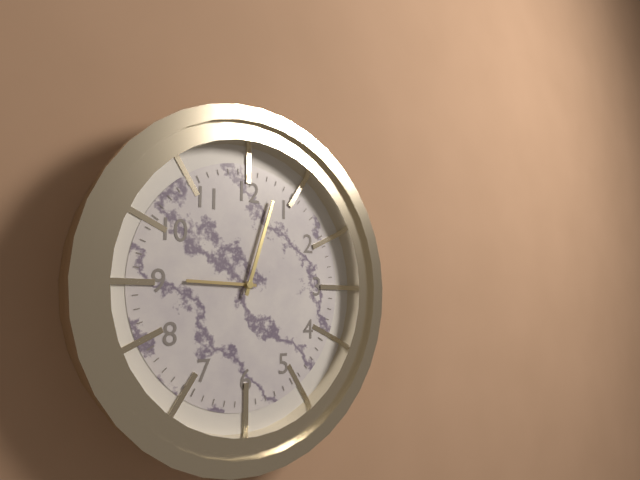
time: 9:03
